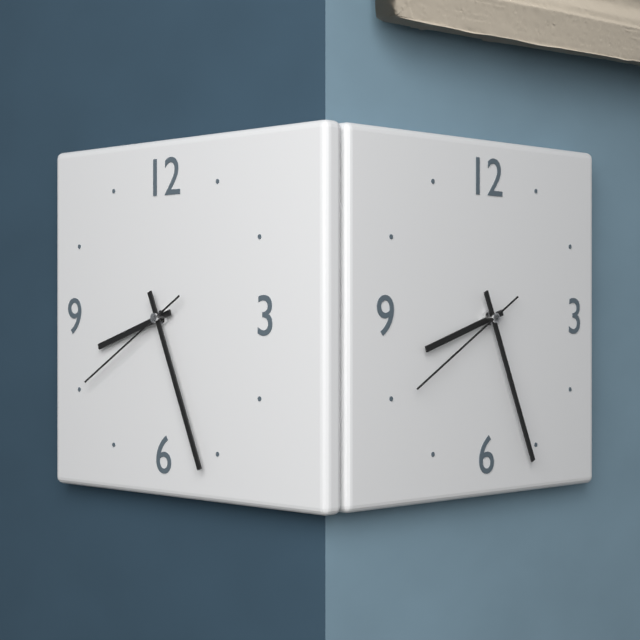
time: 8:26:40
